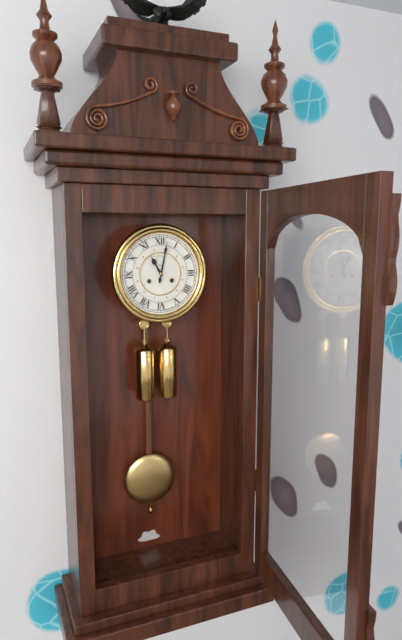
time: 11:02
